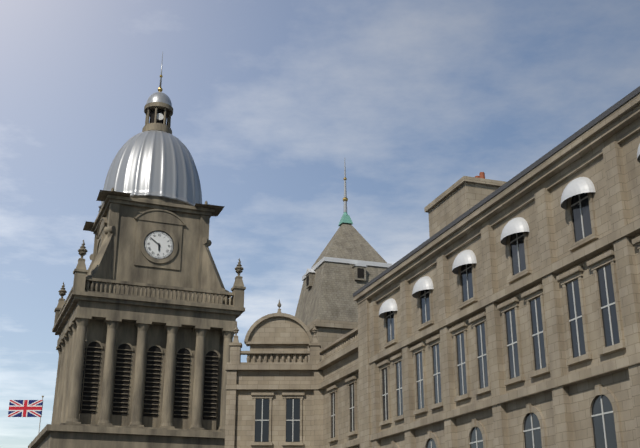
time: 5:51
